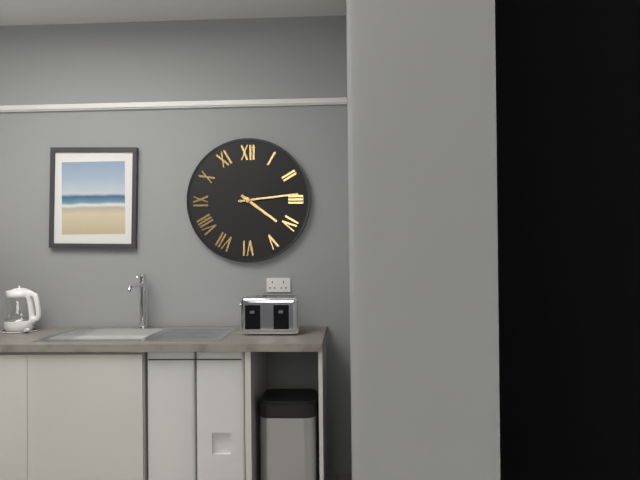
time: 4:14
